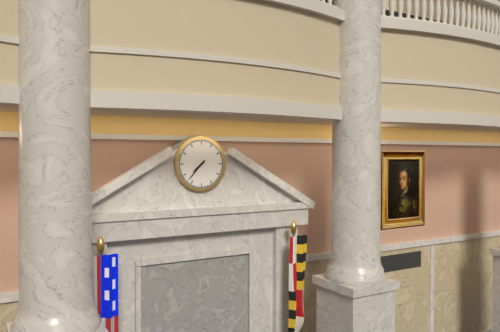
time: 7:37
